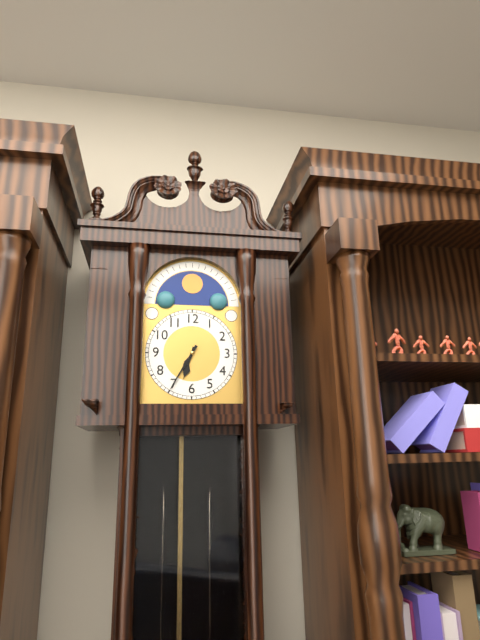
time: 6:35
